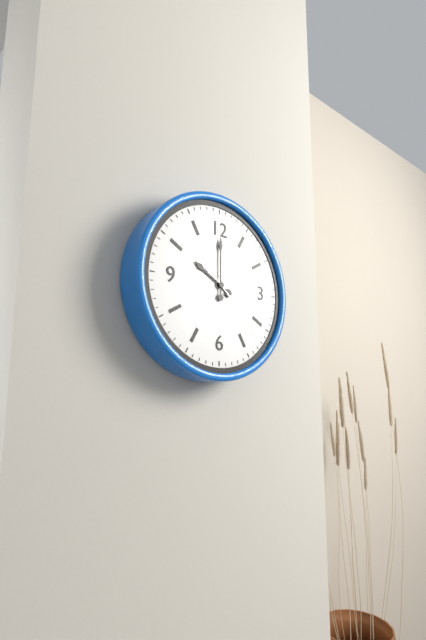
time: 10:00:22
